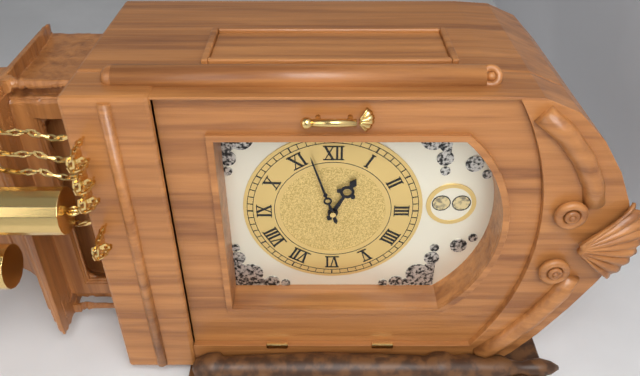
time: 12:57
